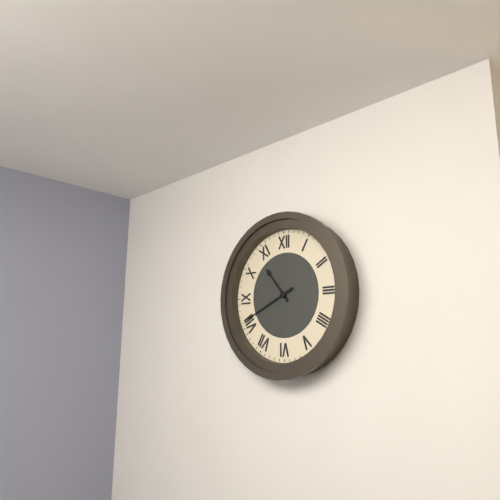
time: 10:41
